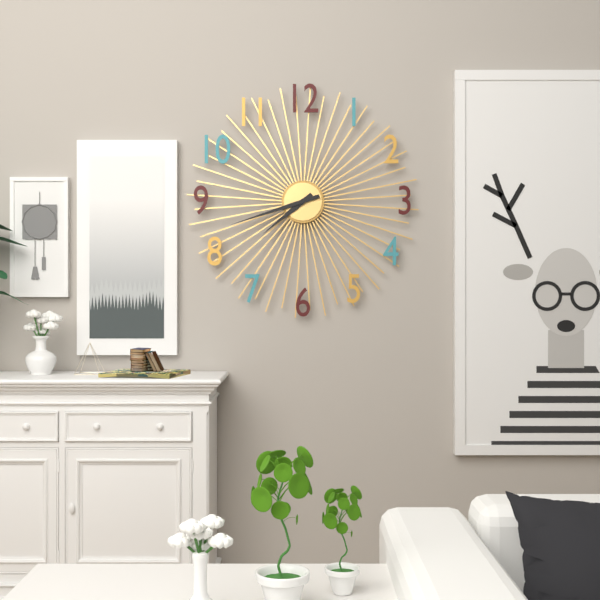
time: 7:42
